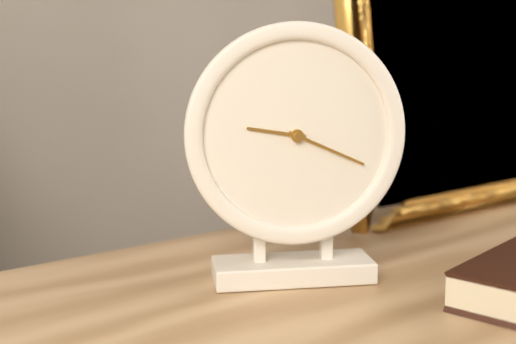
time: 9:19
